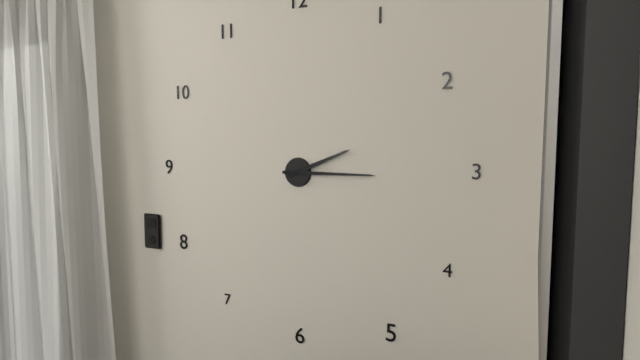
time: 2:15
